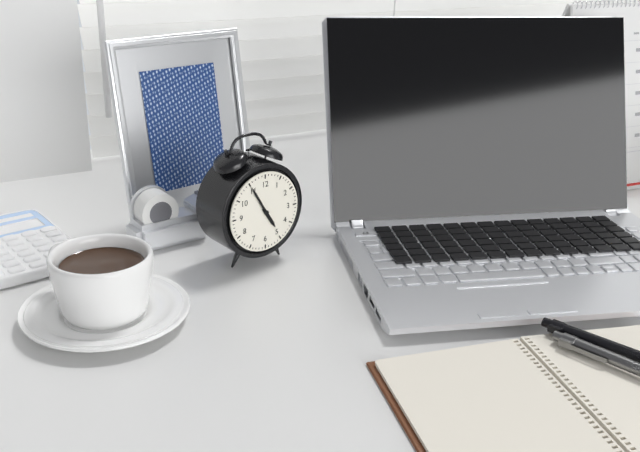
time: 4:55
